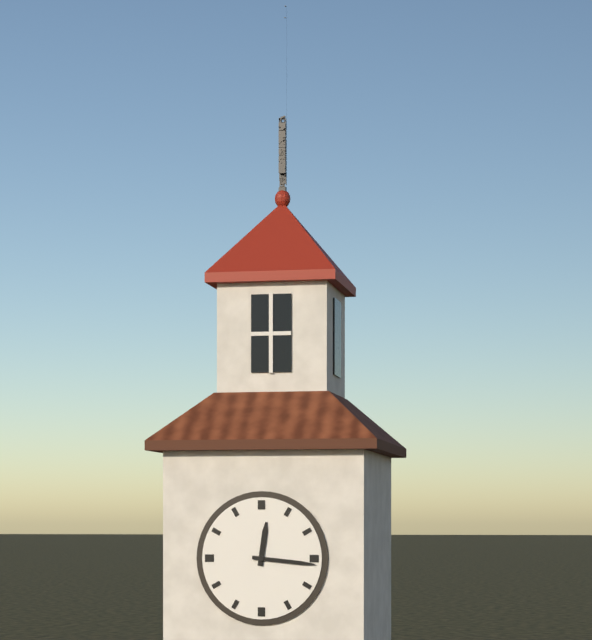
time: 12:16
